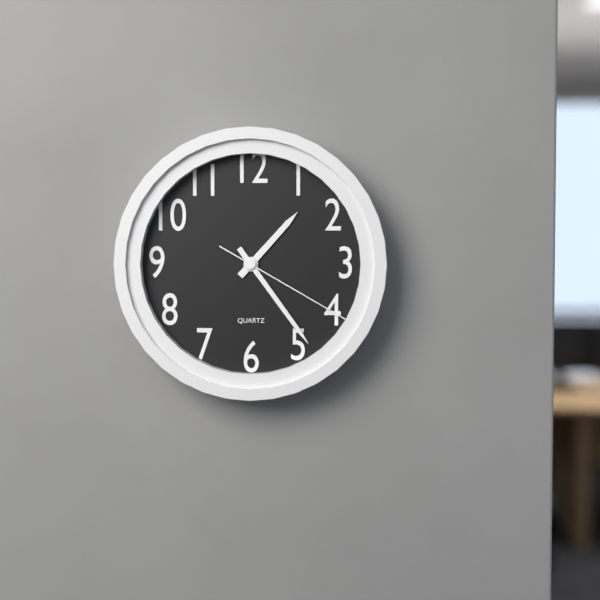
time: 1:24:20
